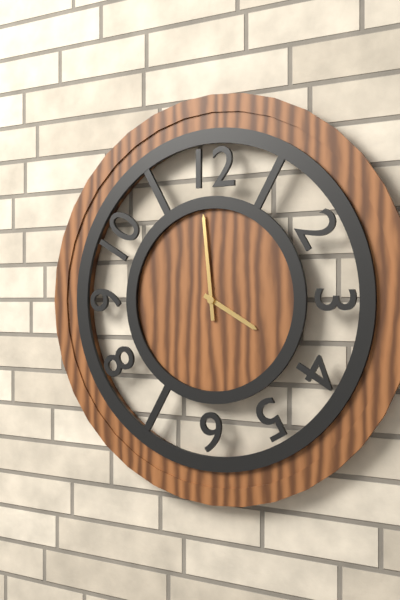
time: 3:59
